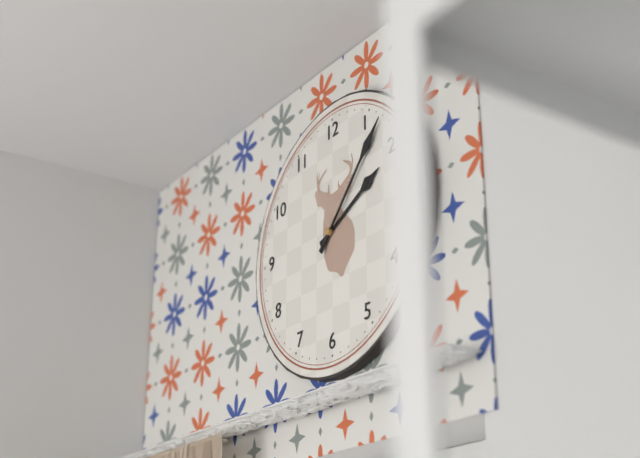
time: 2:07
